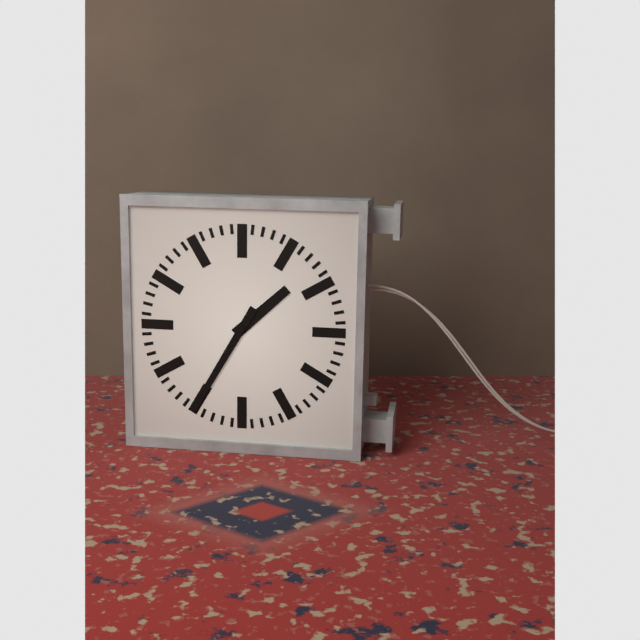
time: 1:35
